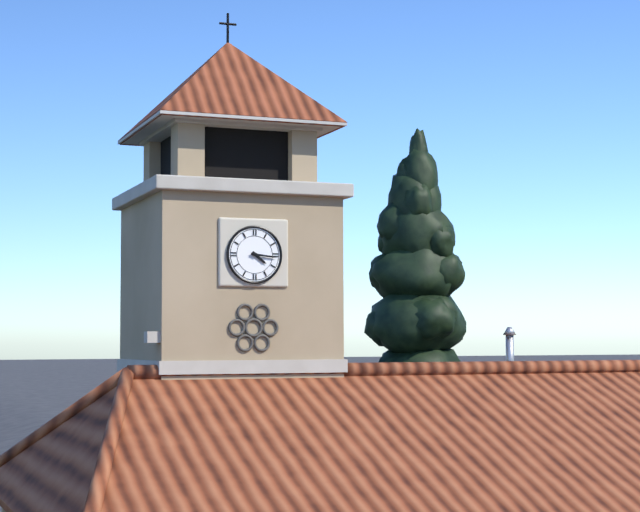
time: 4:16
